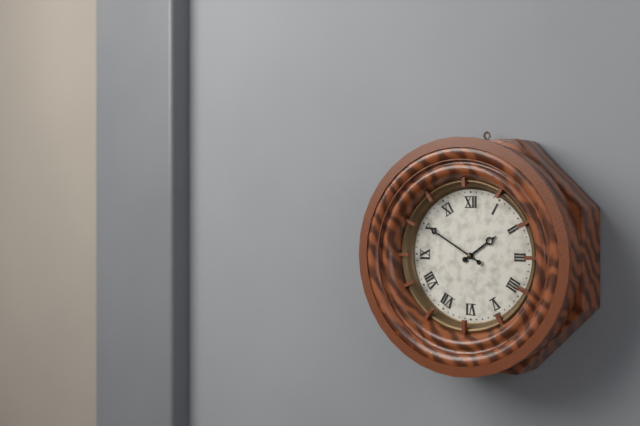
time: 1:50
